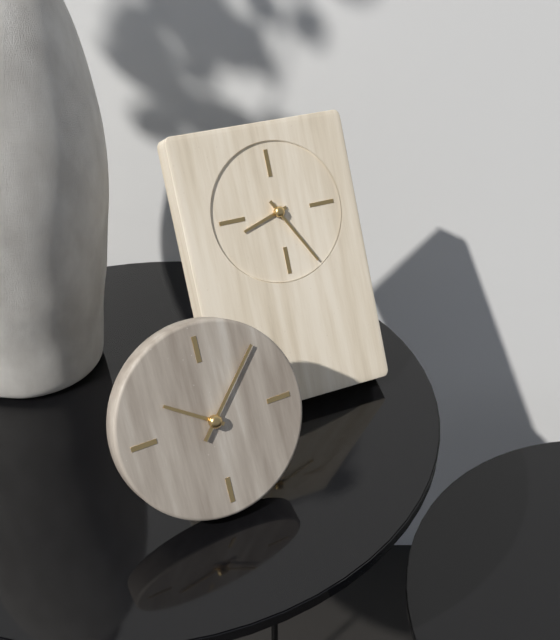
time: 8:25
